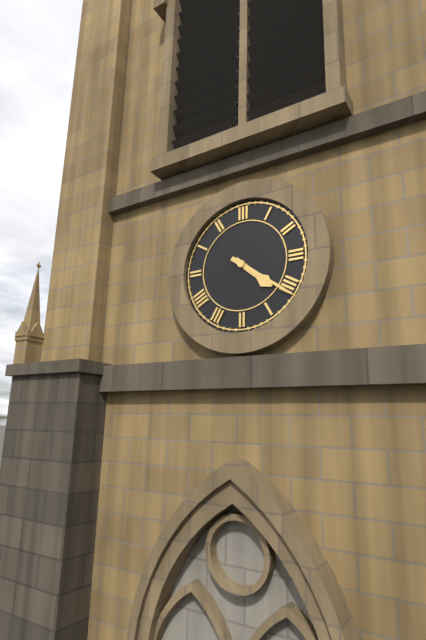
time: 4:21
